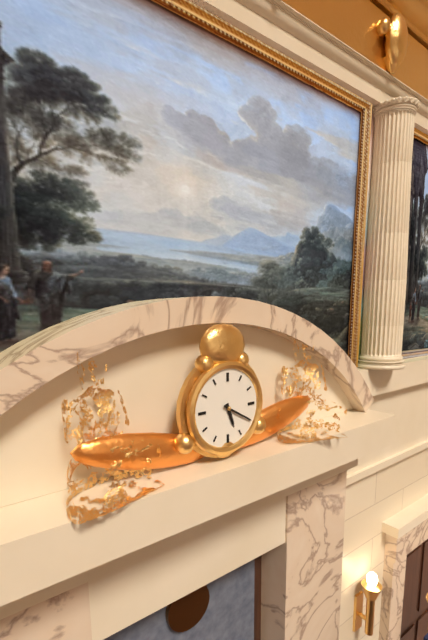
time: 5:20
